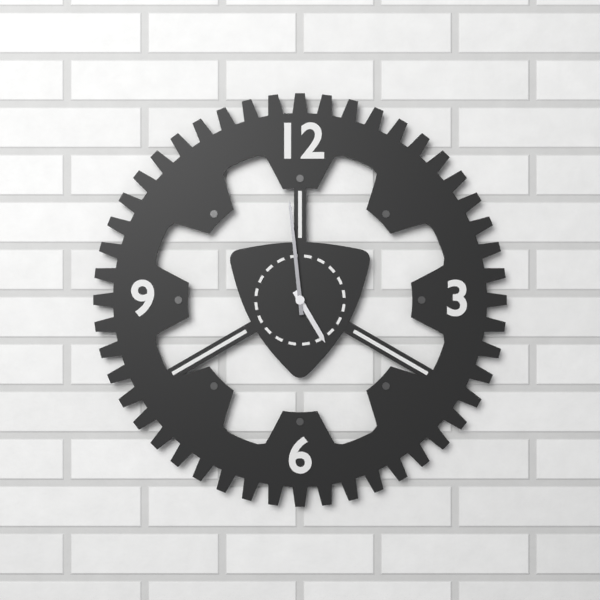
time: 4:59
